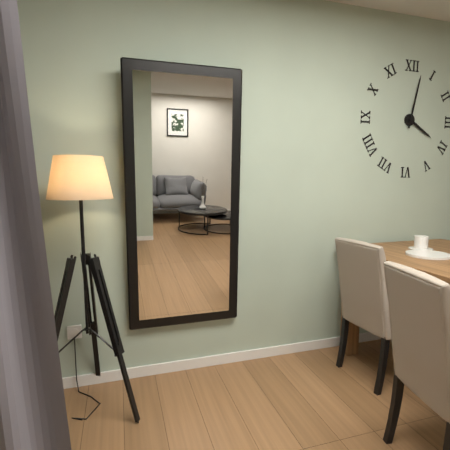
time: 4:02
